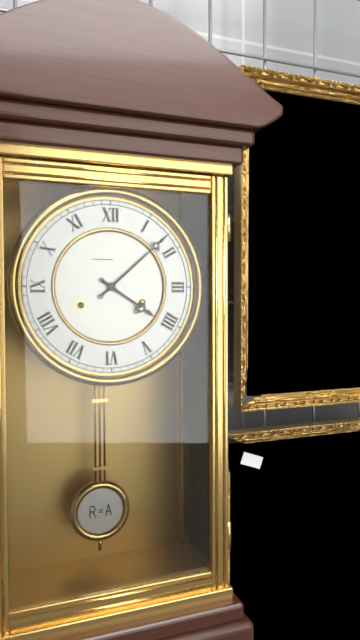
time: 4:08
